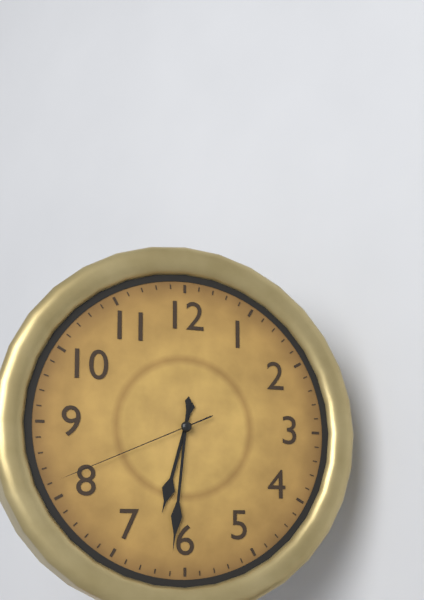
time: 6:31:41
